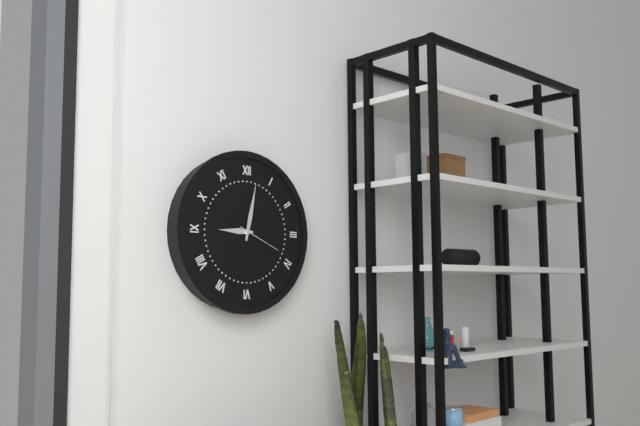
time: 9:02
